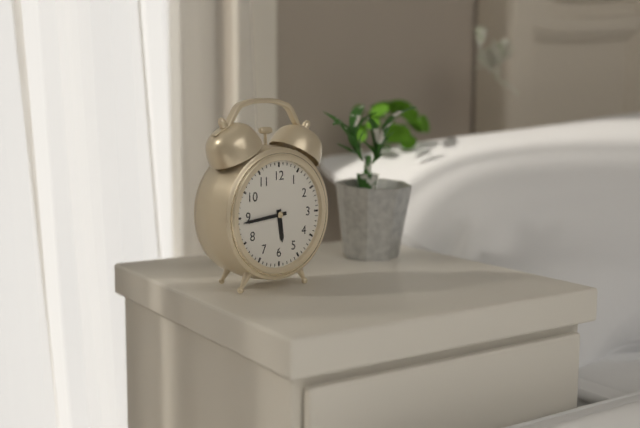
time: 5:44
